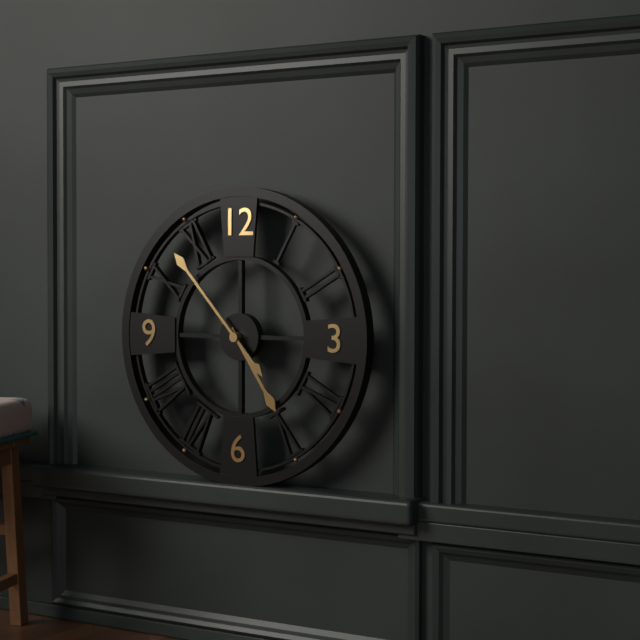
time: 4:53
